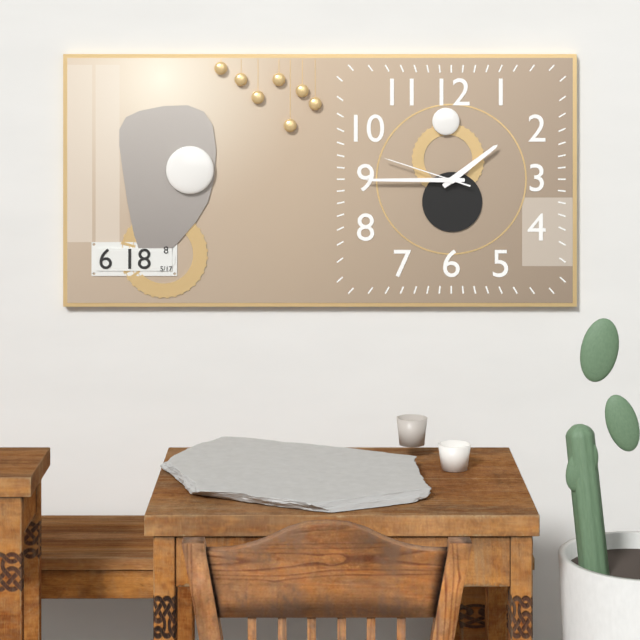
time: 1:45:48
